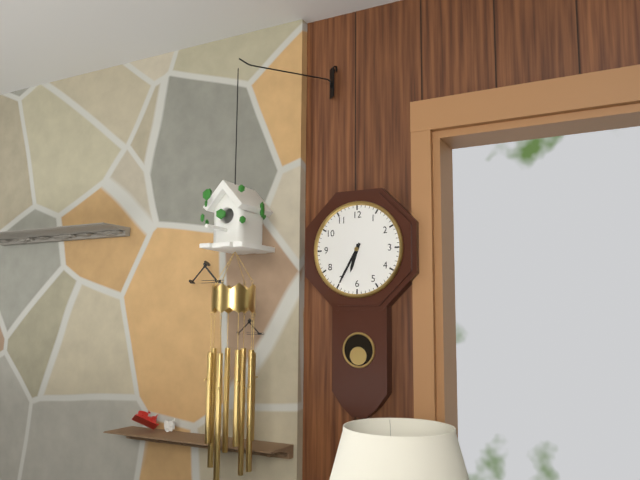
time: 6:35
